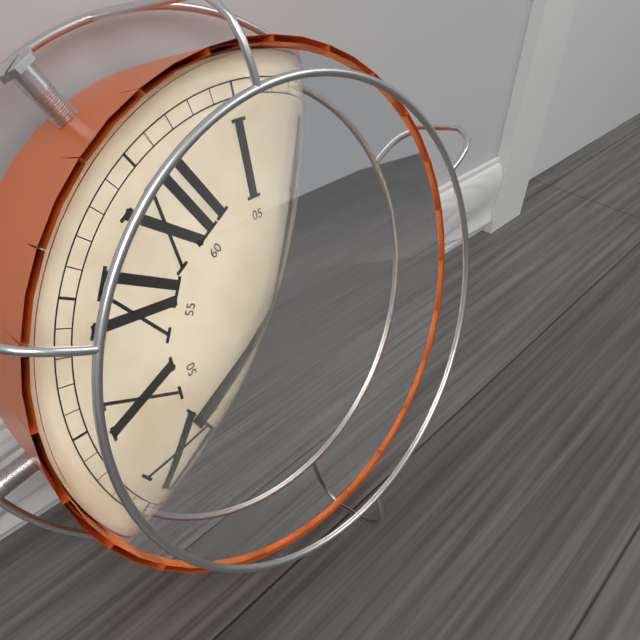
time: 9:09
